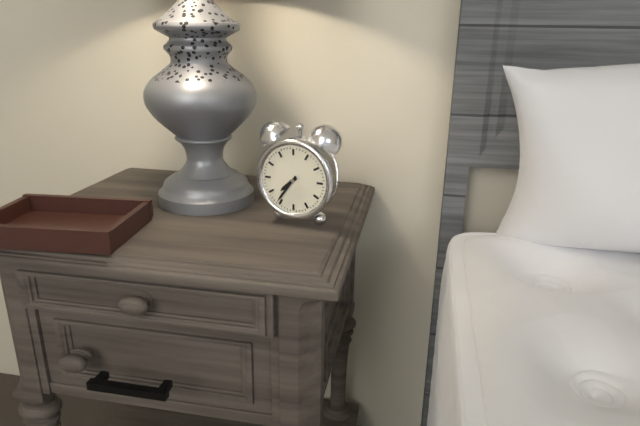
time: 7:36
